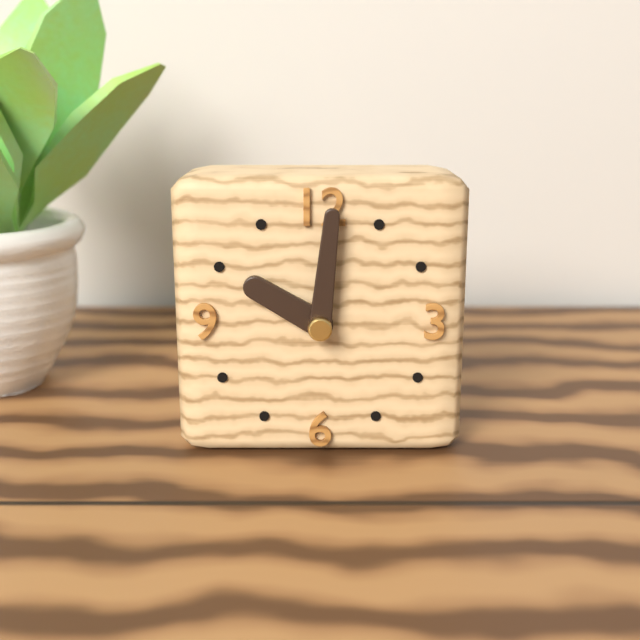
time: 10:01
